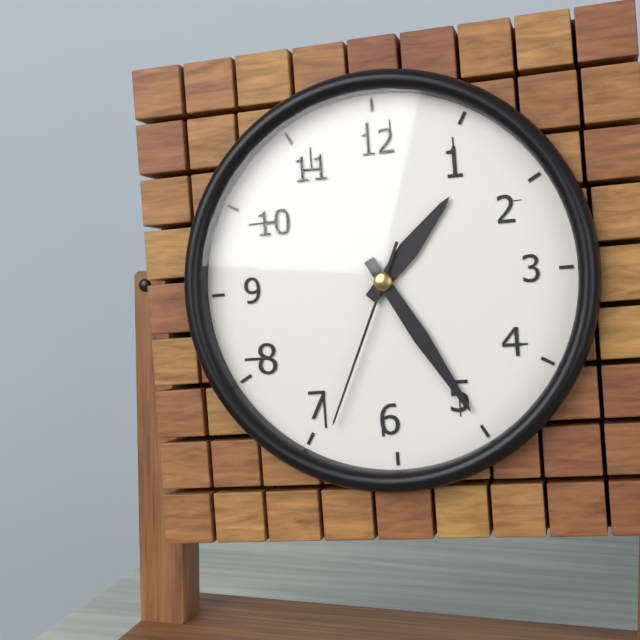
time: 1:25:34
